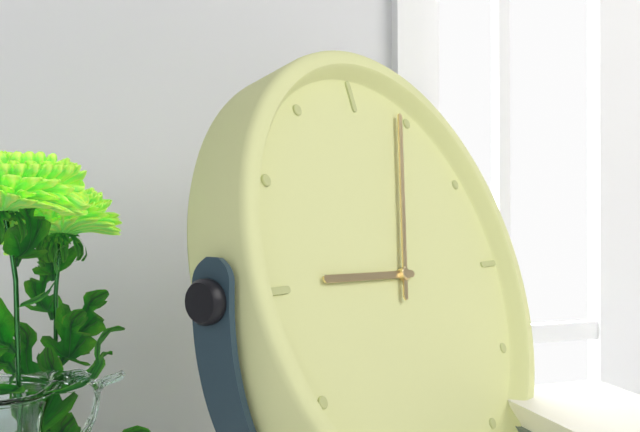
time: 9:04
